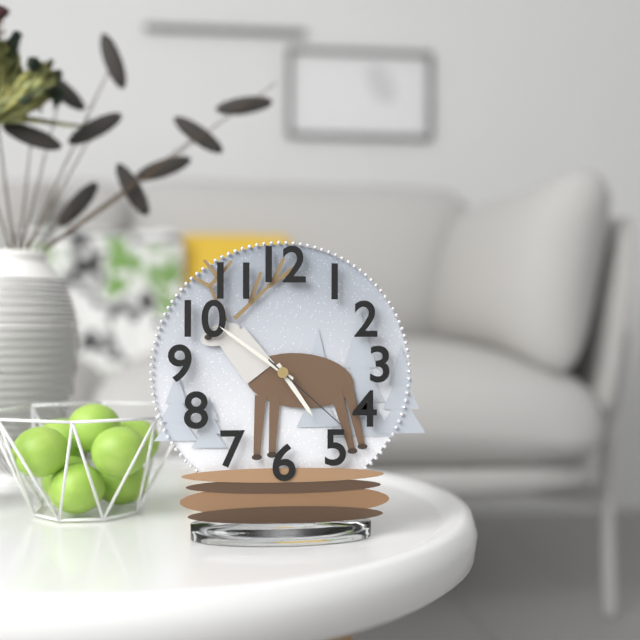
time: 4:51:22
